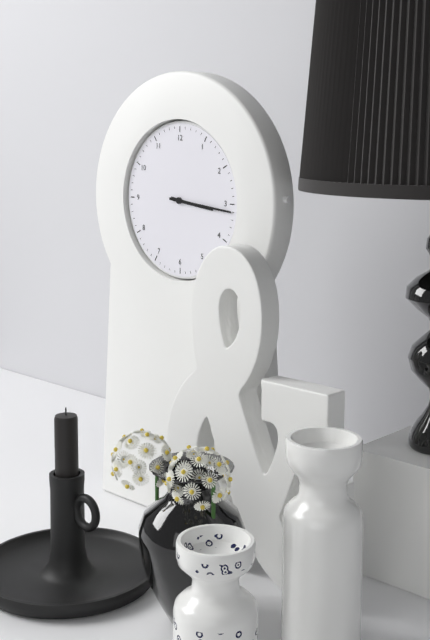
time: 3:16
